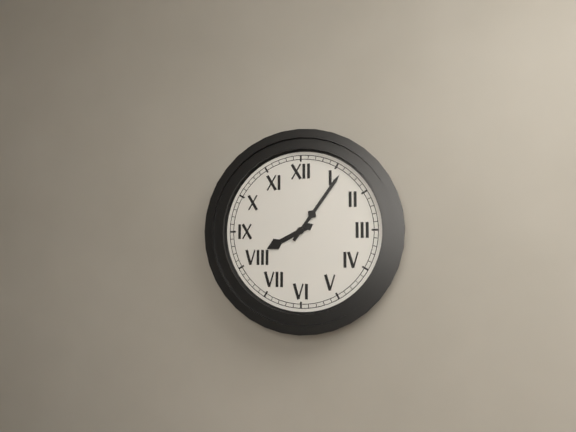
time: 8:06
